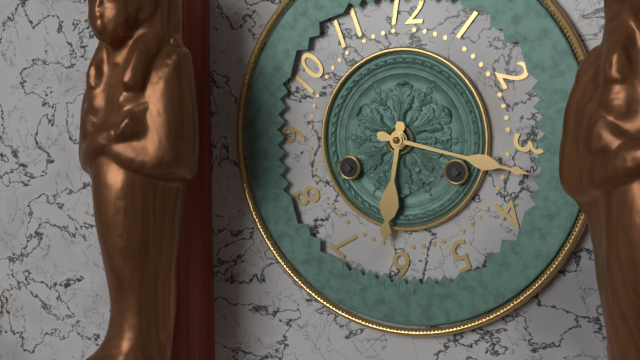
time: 6:17
